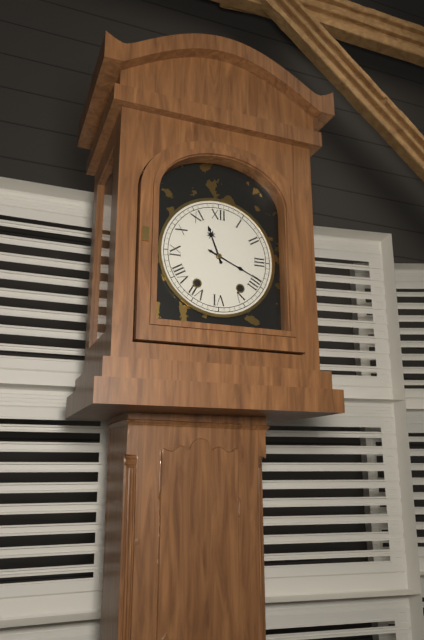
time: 11:19
